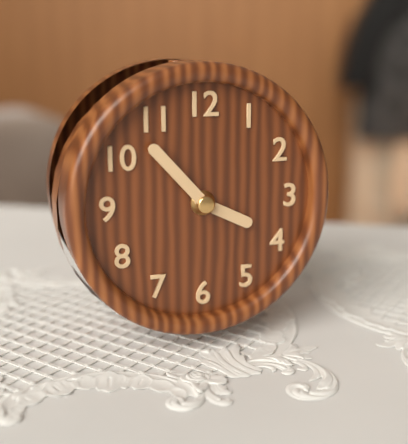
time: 3:53
